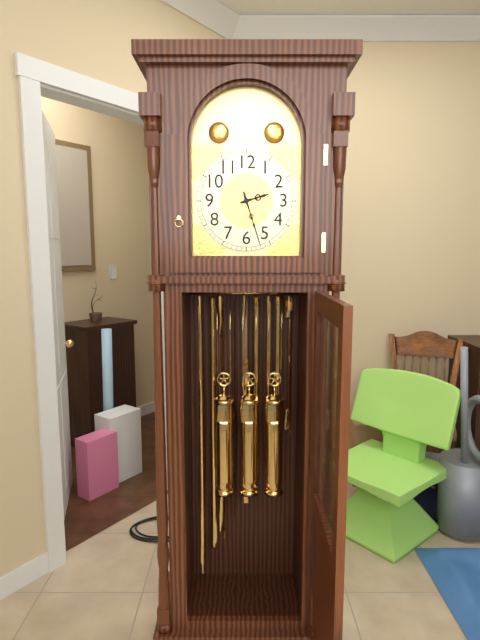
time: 2:27
